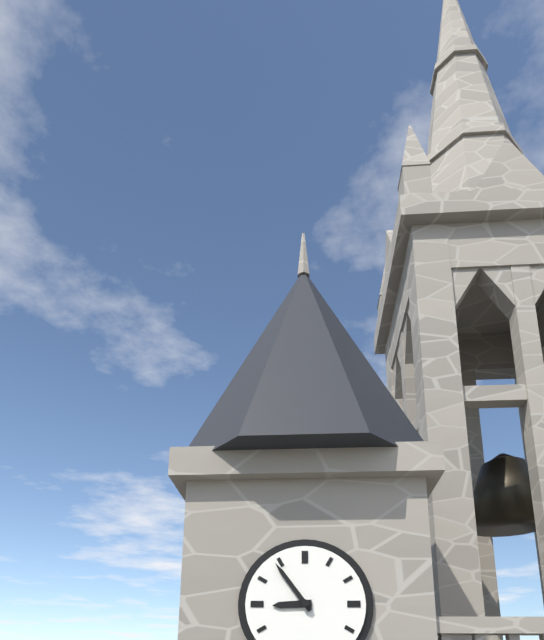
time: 8:54
